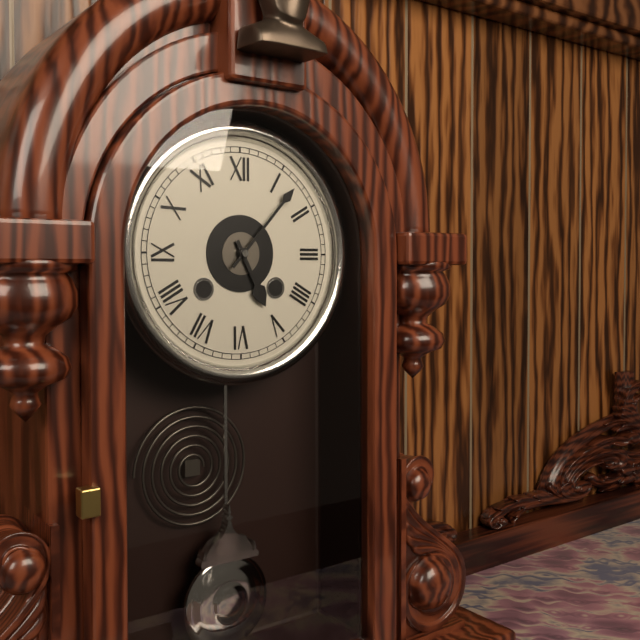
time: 5:07
